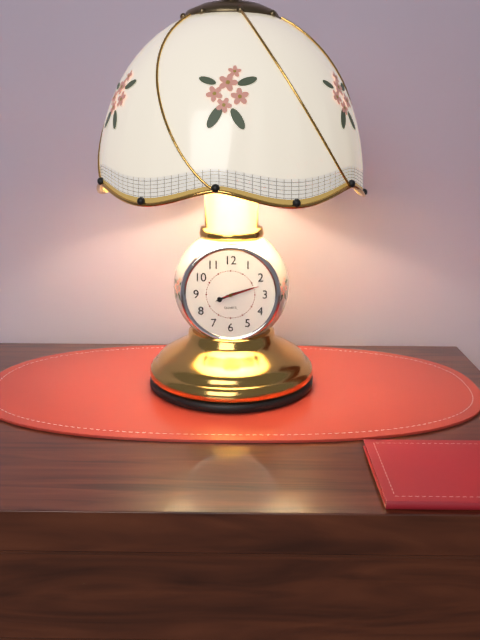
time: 8:12
